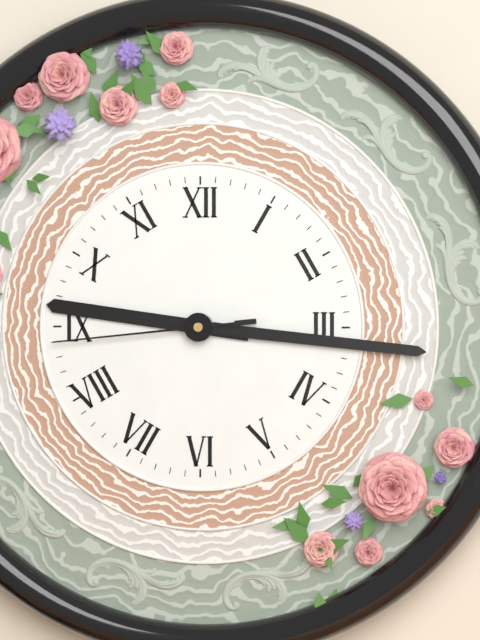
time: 9:16:44
